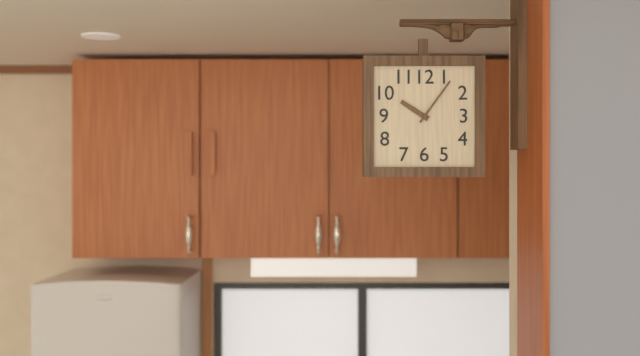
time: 10:06
